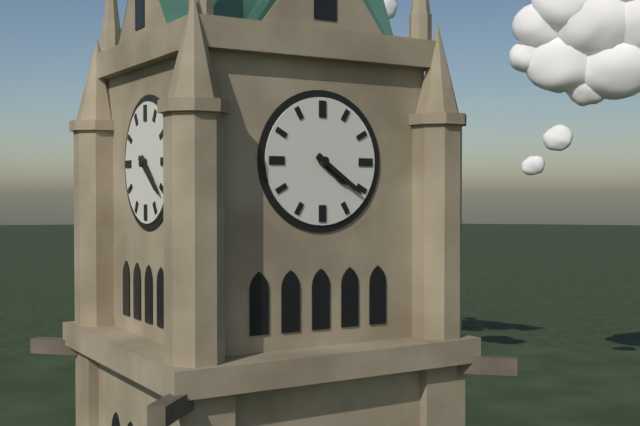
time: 4:21
